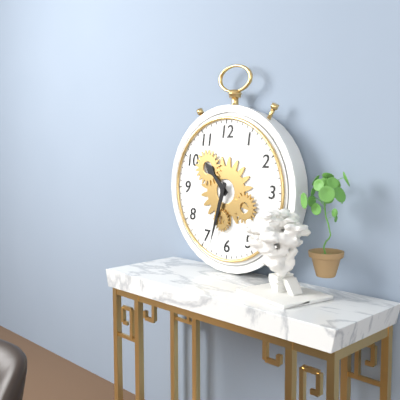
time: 10:33
